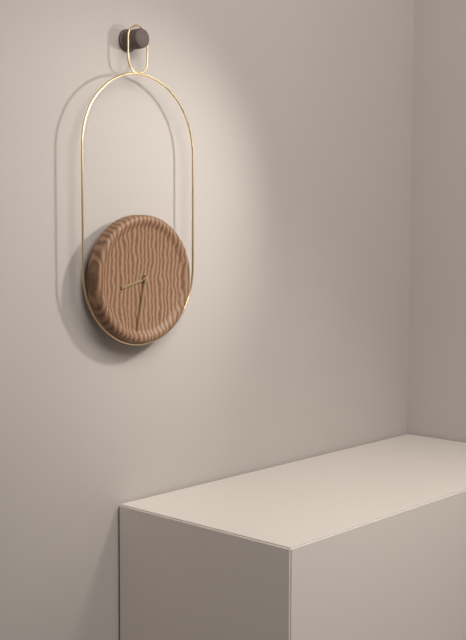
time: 8:32
